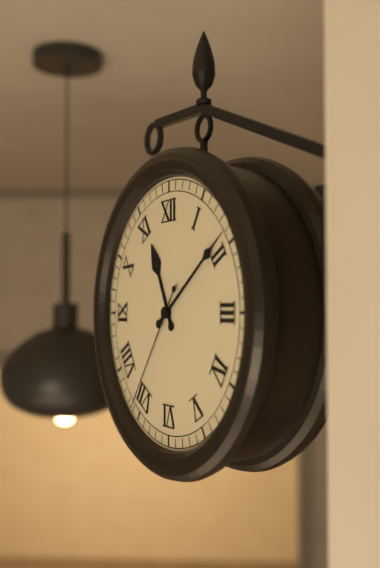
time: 11:09:36
